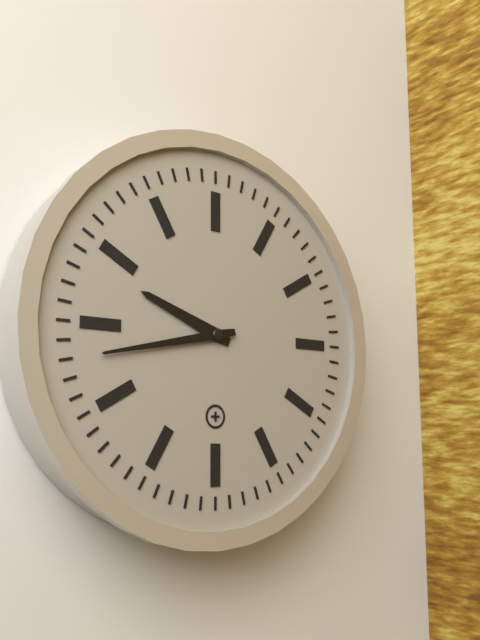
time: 9:43
